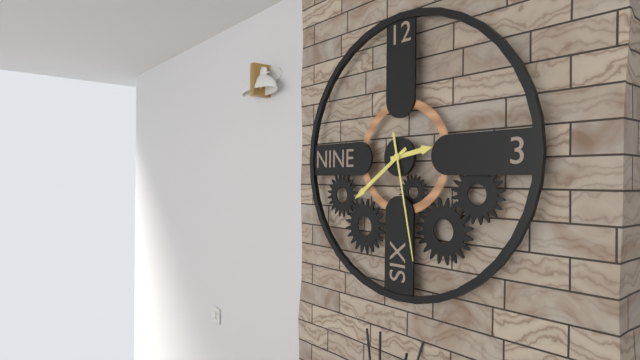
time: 2:39:28
